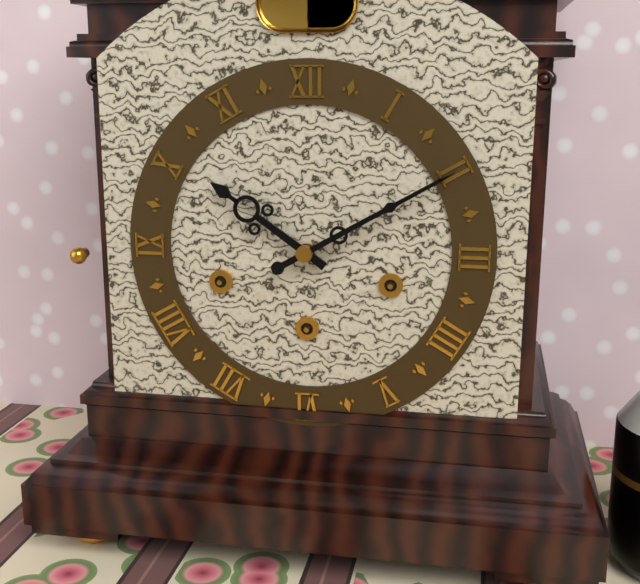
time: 10:10
